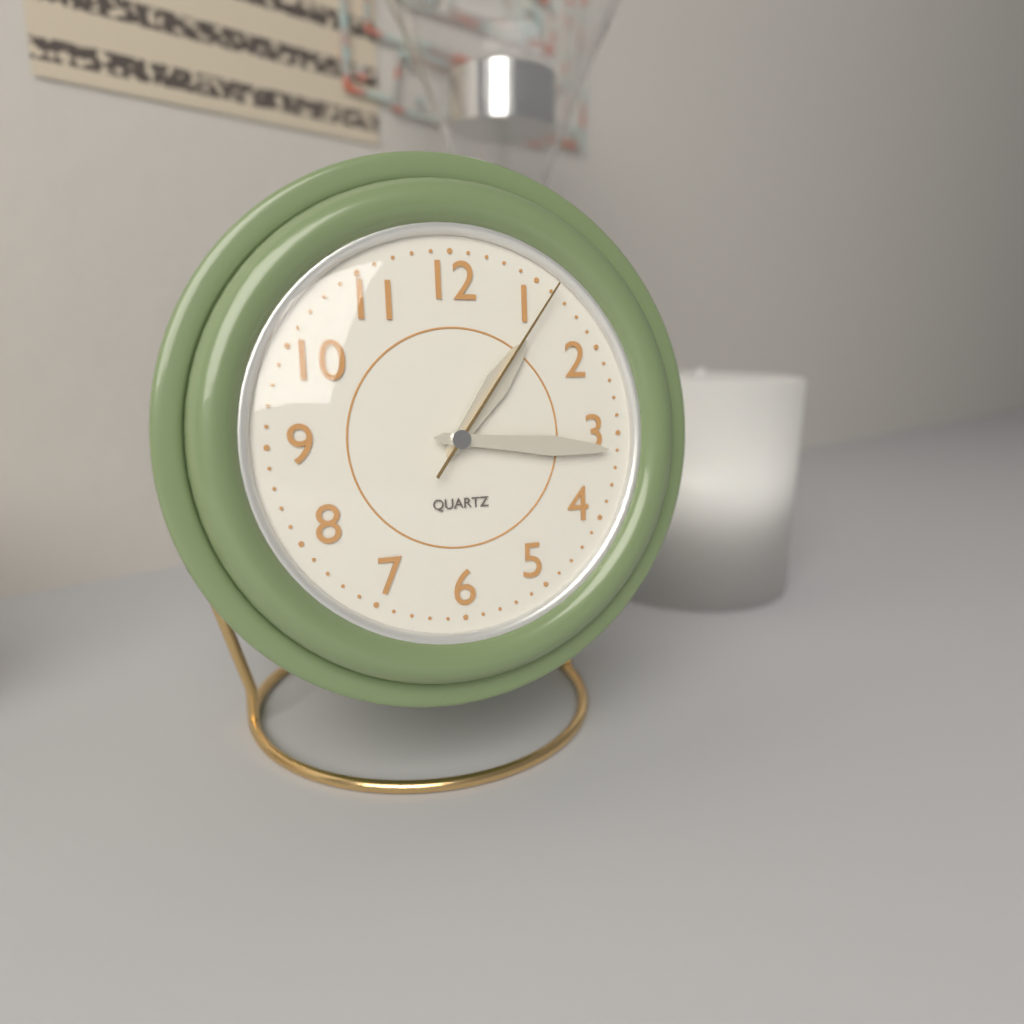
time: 1:16:06
